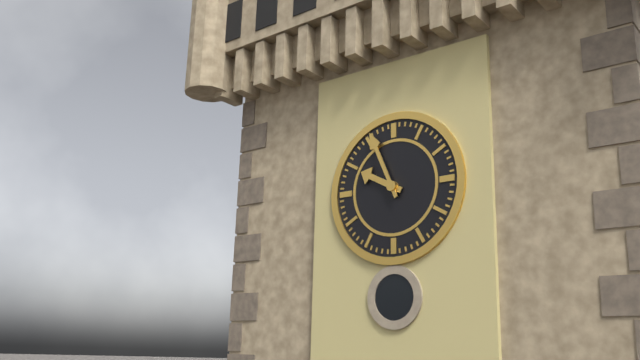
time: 9:56
